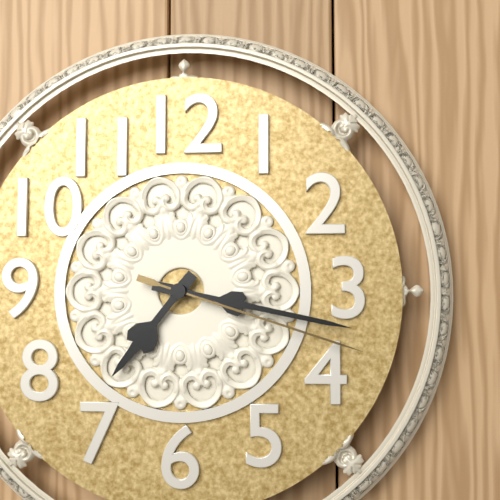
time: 7:17:18
